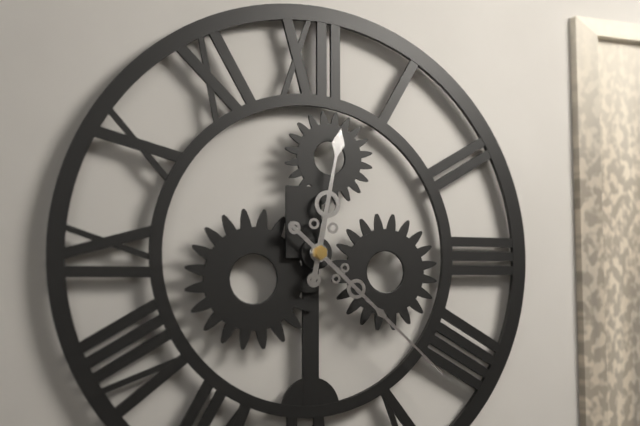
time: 12:22
